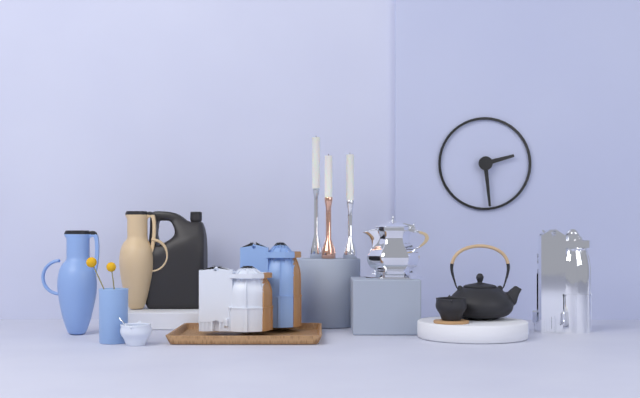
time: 2:29
